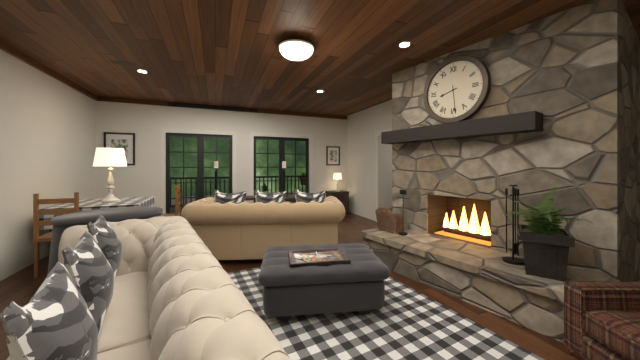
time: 8:29
